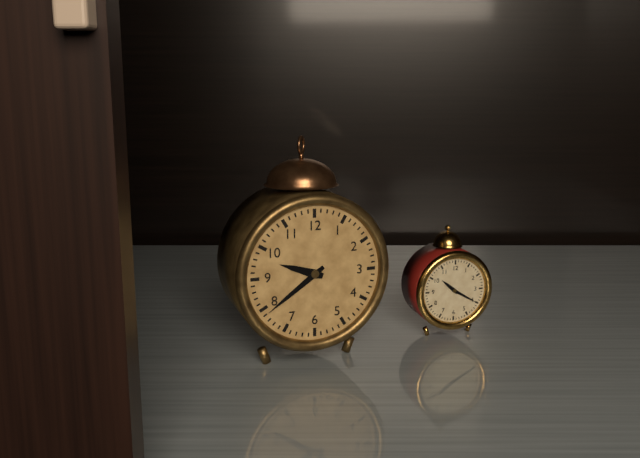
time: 9:39
